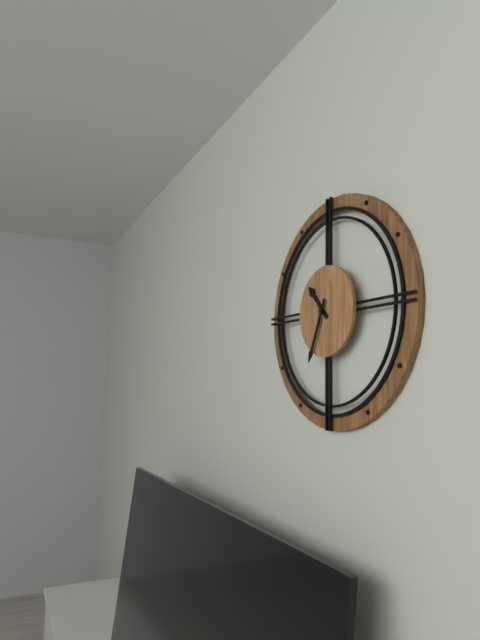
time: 10:34
